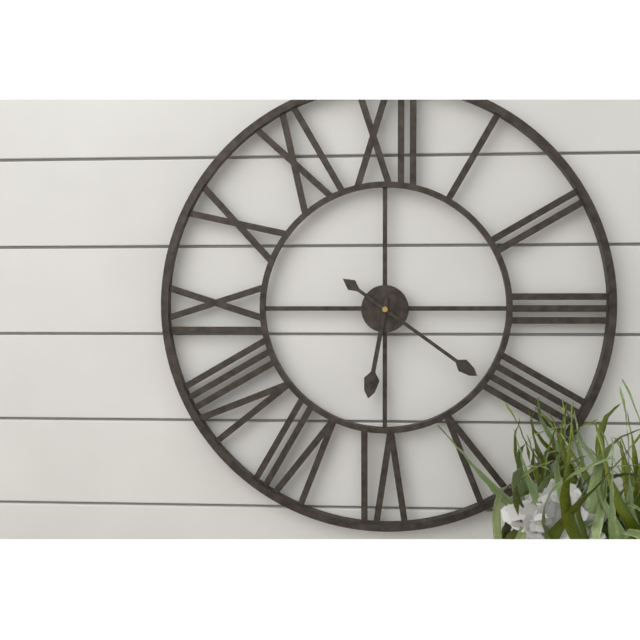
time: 6:21
